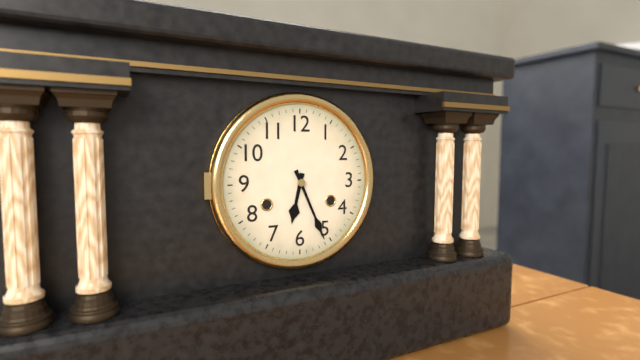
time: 6:26
